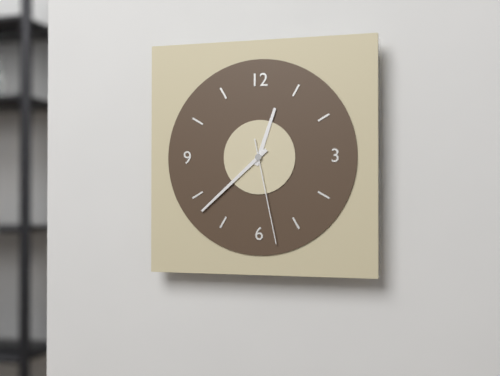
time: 12:38:28
